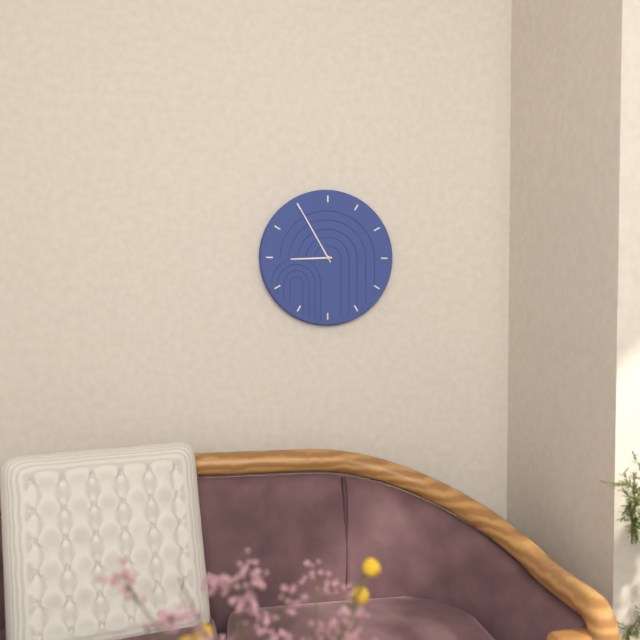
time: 8:55
